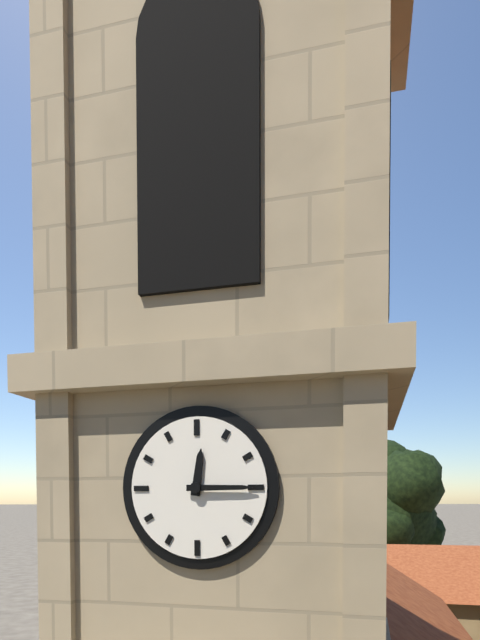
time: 12:15
